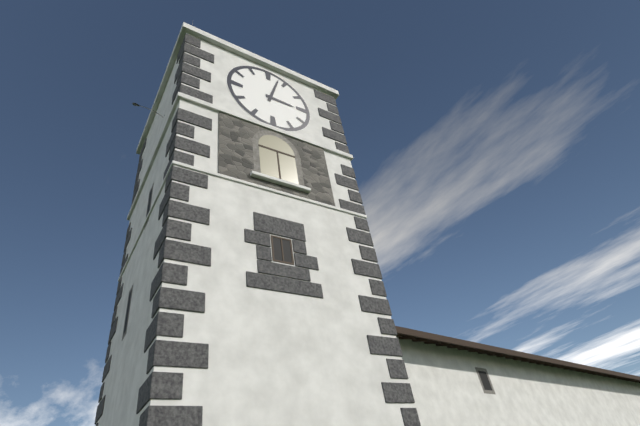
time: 3:03
